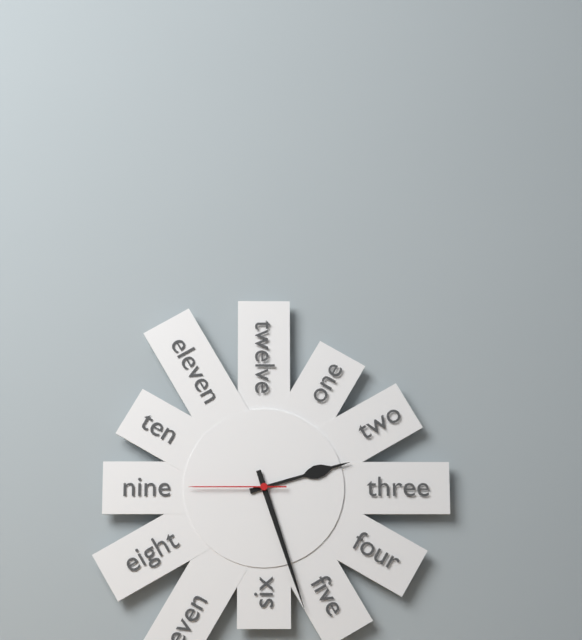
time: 2:27:45
